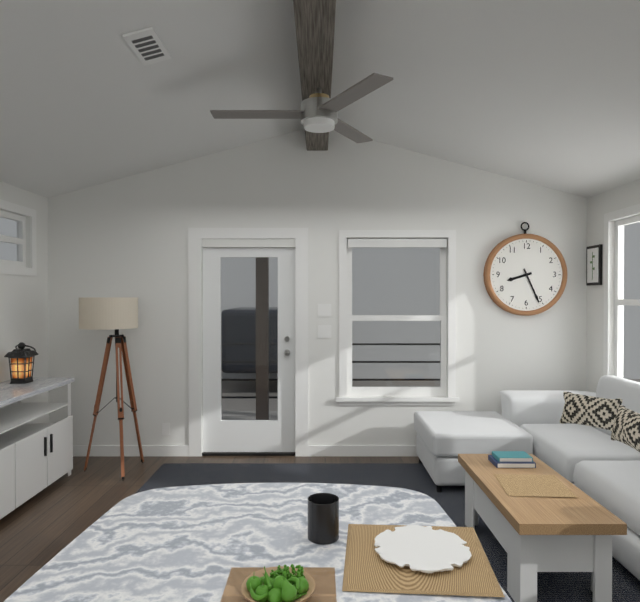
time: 8:26
